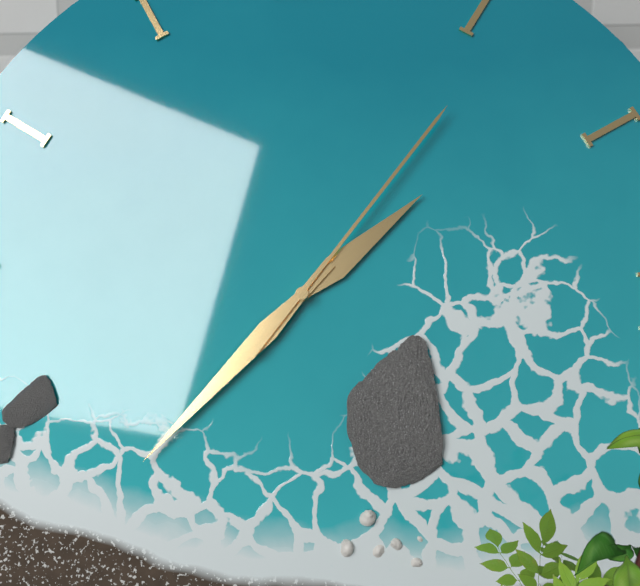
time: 1:37:06
